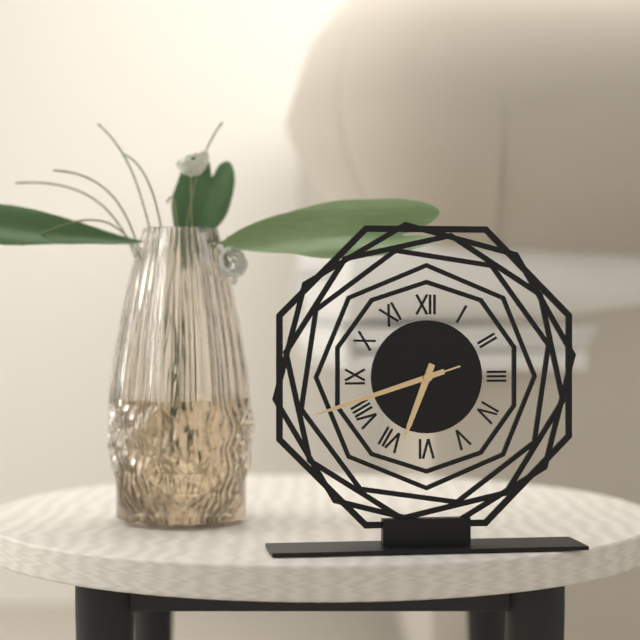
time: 6:42:42
